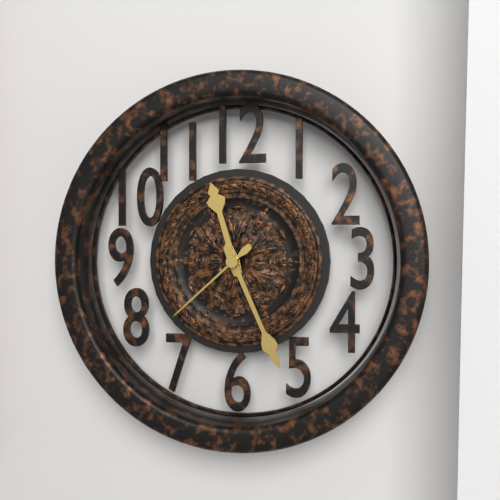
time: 11:26:38
